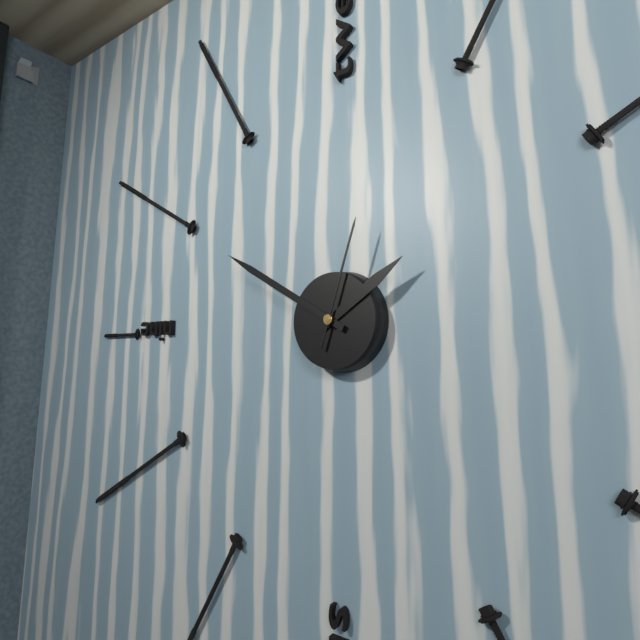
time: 1:50:03
